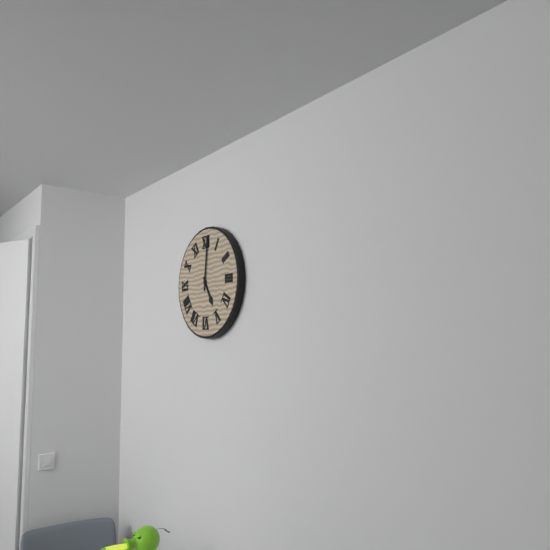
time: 5:01
